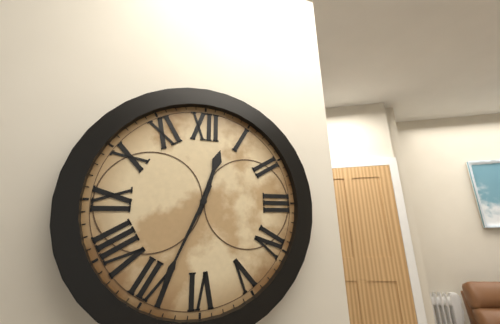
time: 12:34
